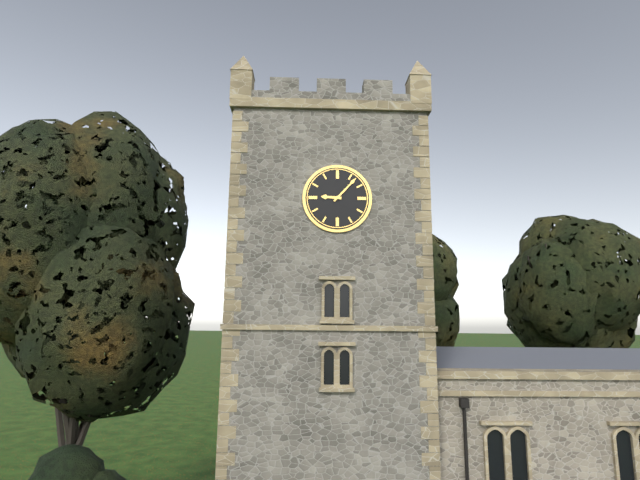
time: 9:07
